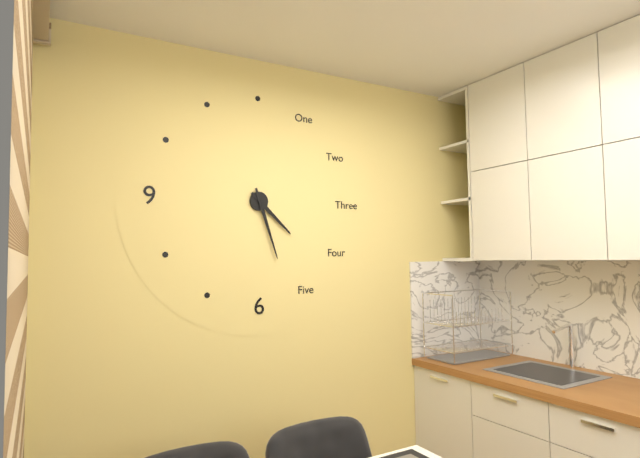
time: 4:27
